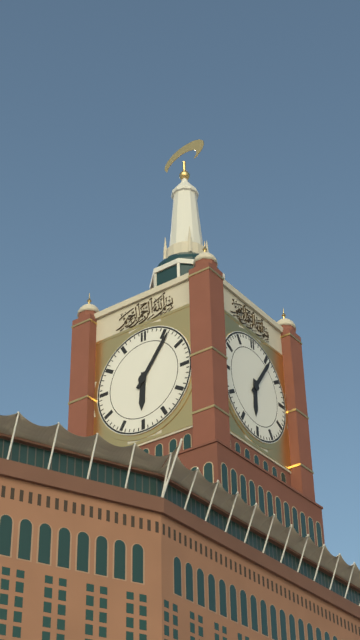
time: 6:06
